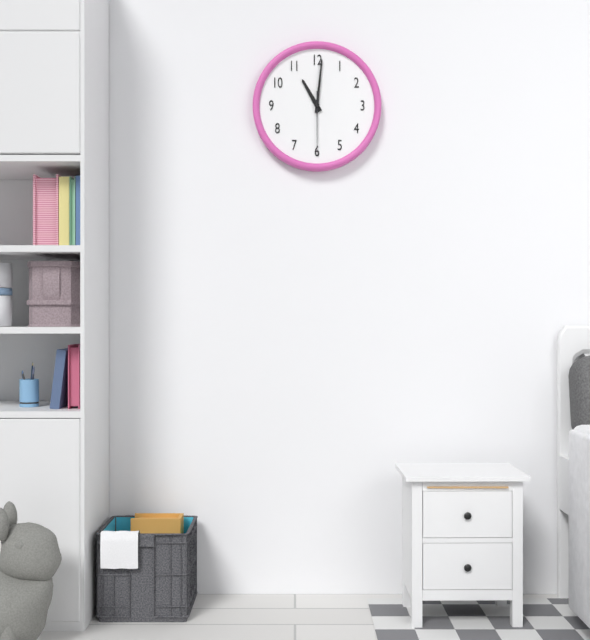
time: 11:01:30
